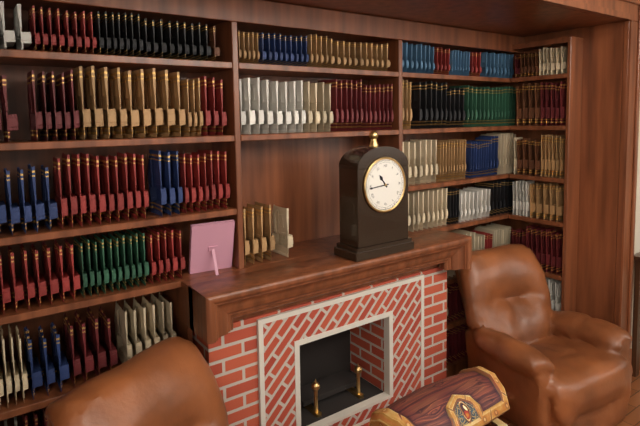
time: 10:44
